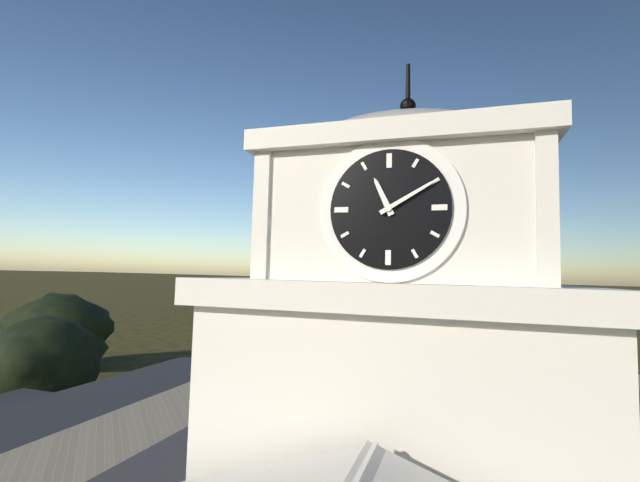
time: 11:10
